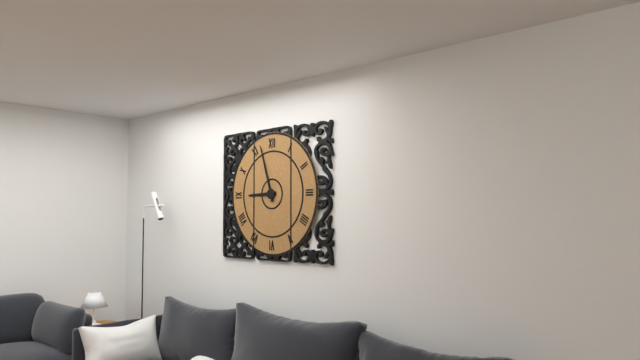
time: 8:57
